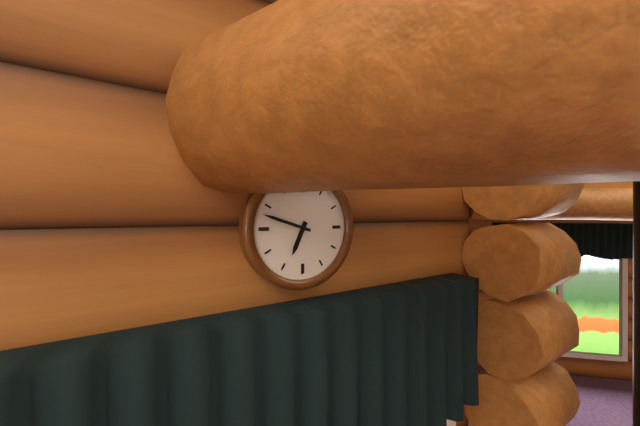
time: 6:48
